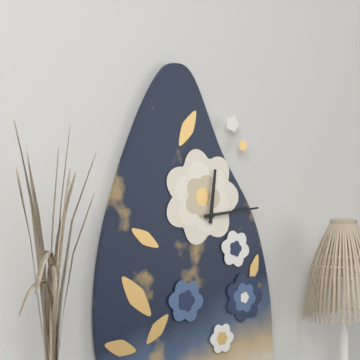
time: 12:14
